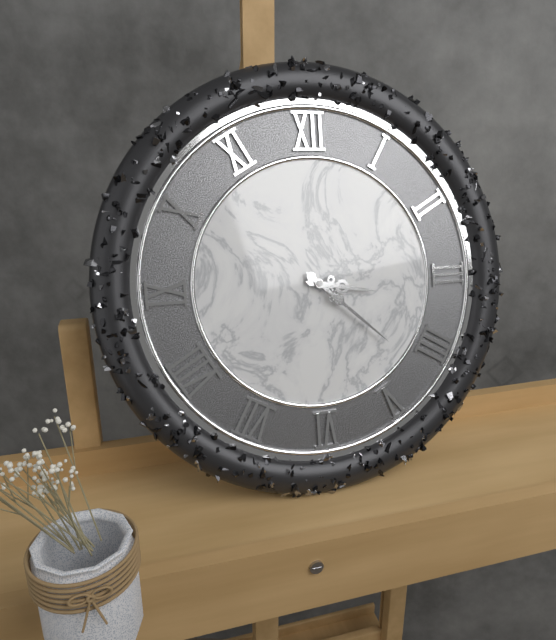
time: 3:22
